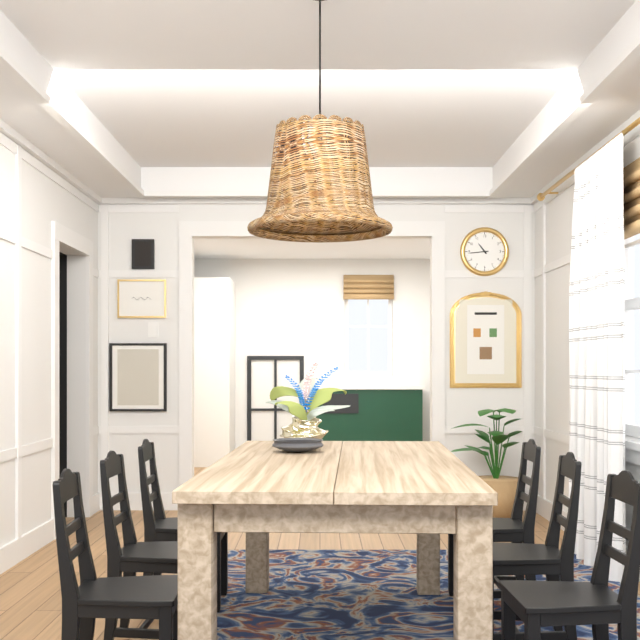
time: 10:44
